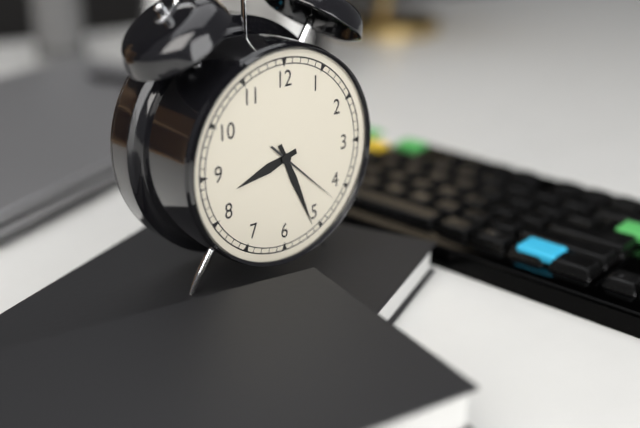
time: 8:26:22
